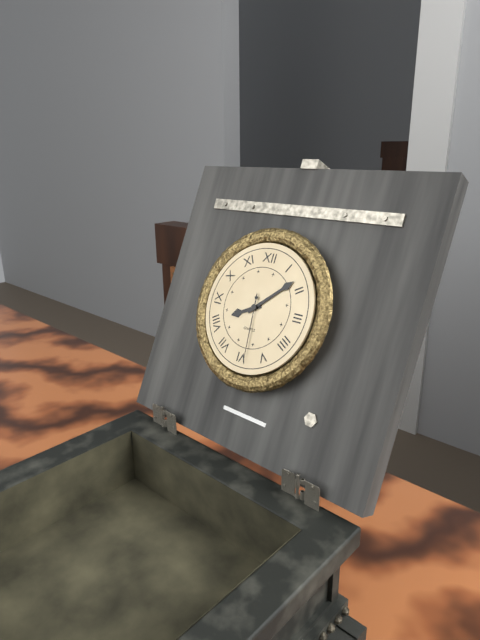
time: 8:08:29
